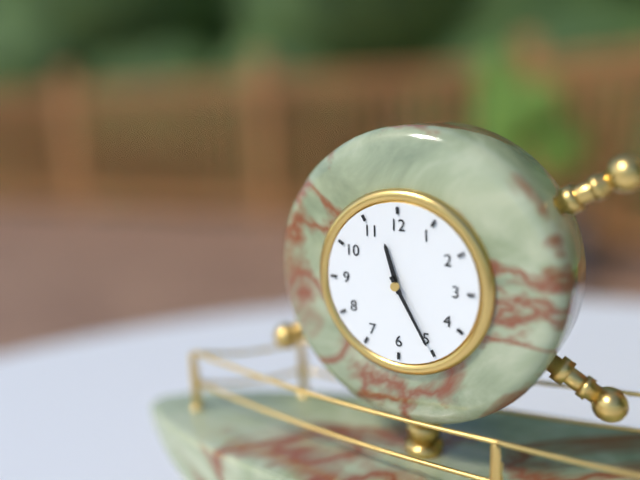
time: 11:25
